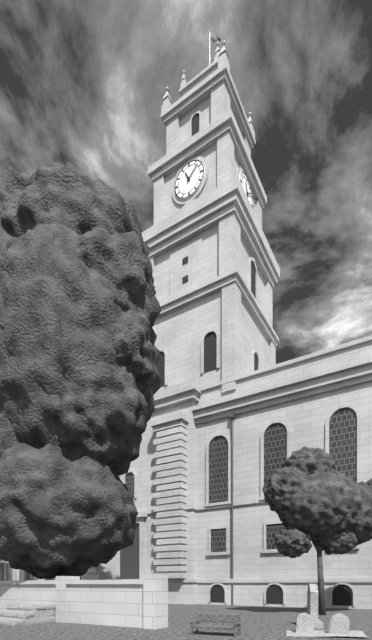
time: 11:08
